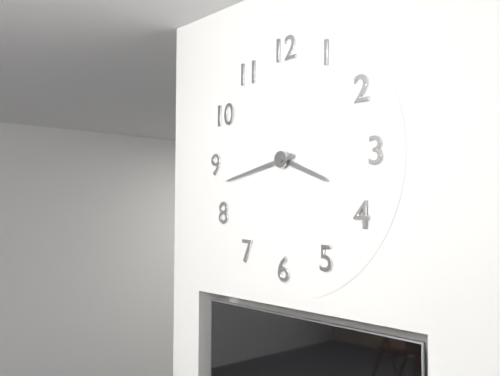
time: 3:43
